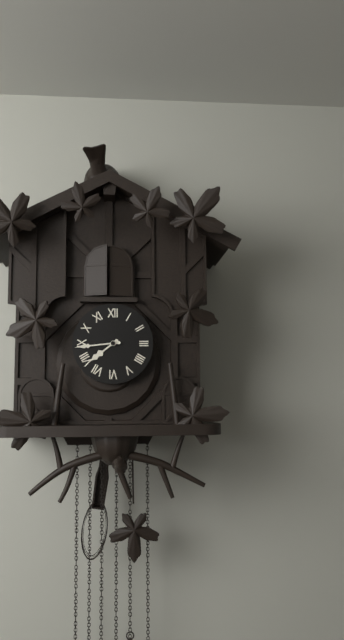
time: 7:44
